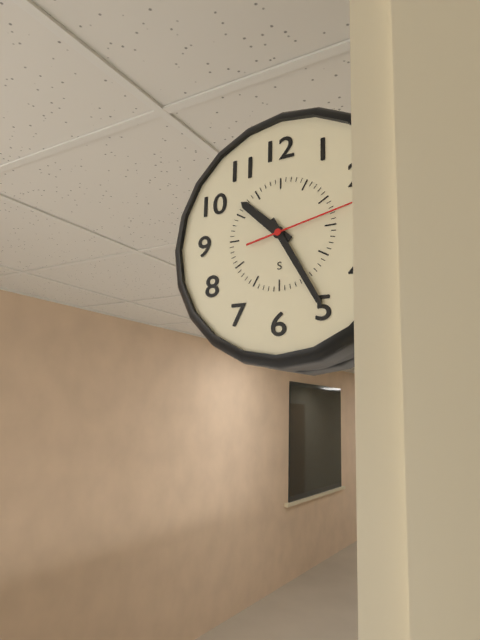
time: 10:25:13
